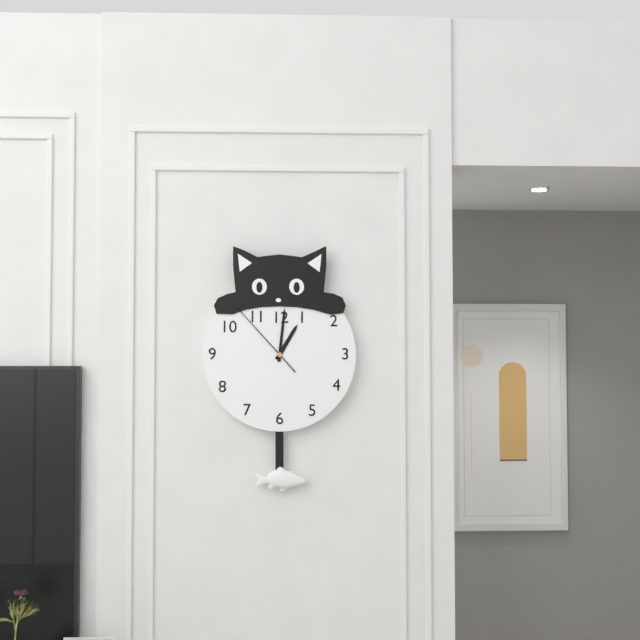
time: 1:01:53
